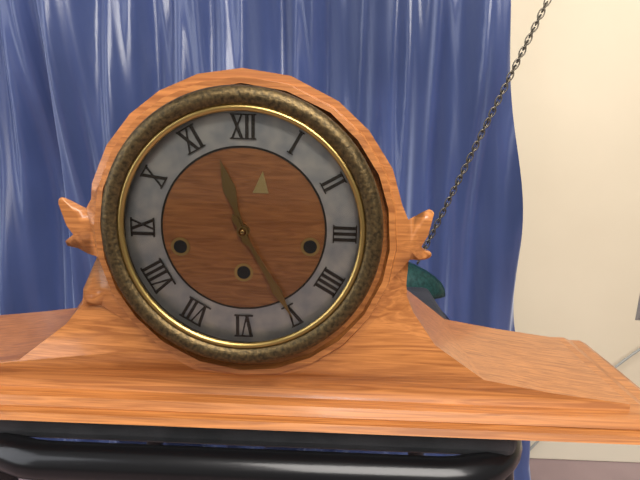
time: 11:25
